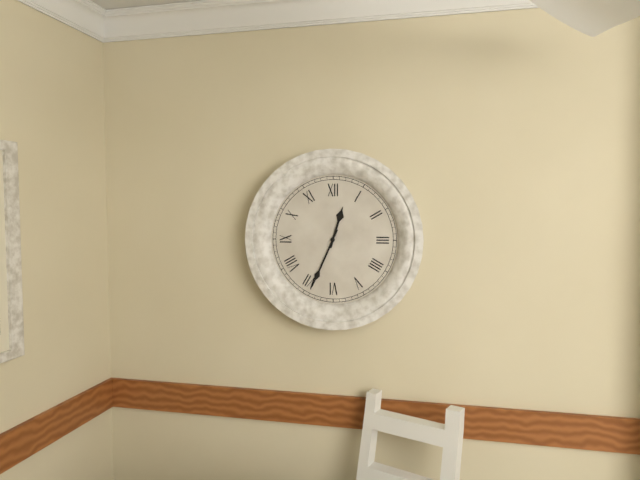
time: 12:34
